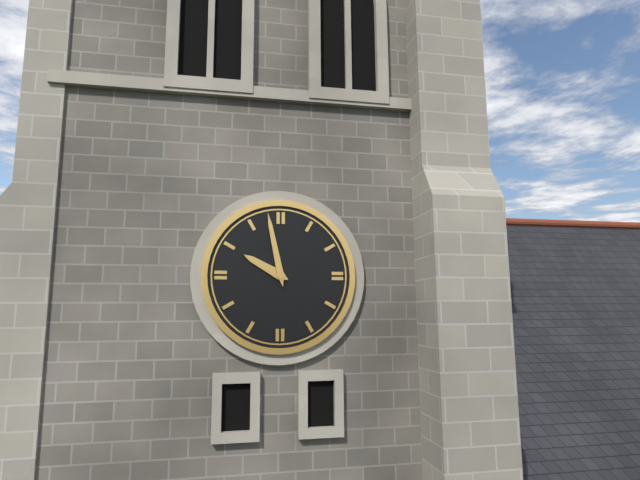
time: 9:58
